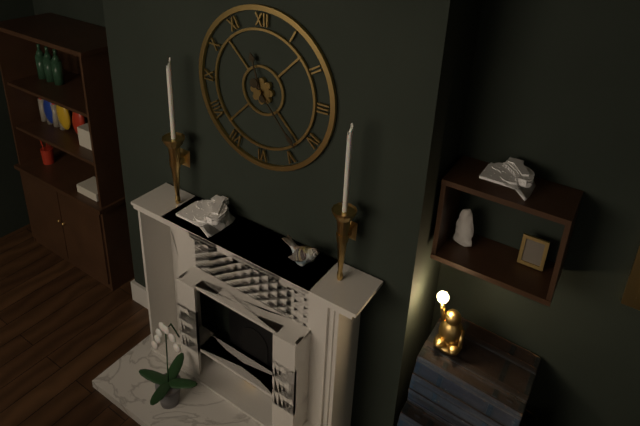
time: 11:23
